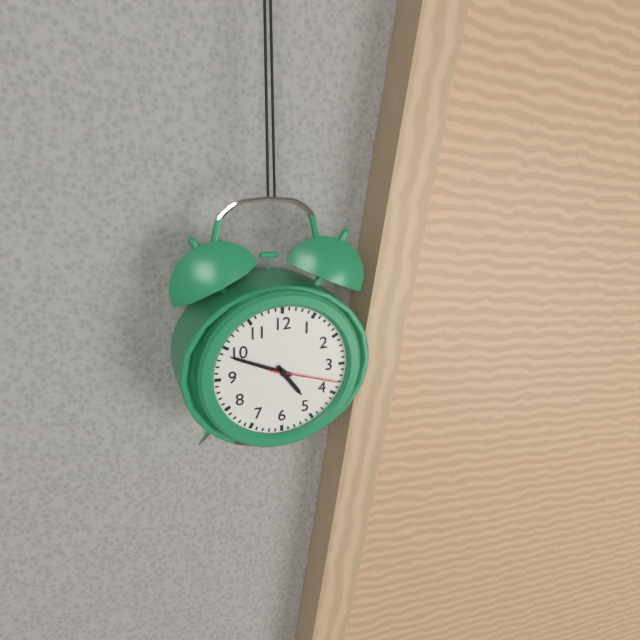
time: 4:49:18
